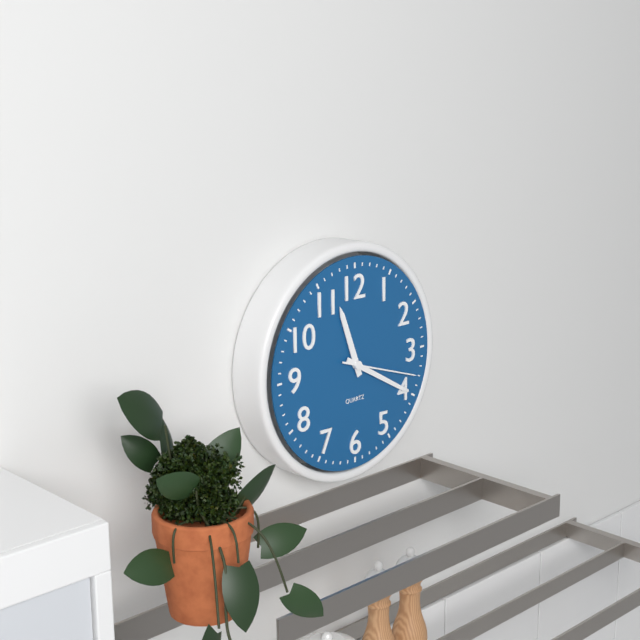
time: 11:20:18
